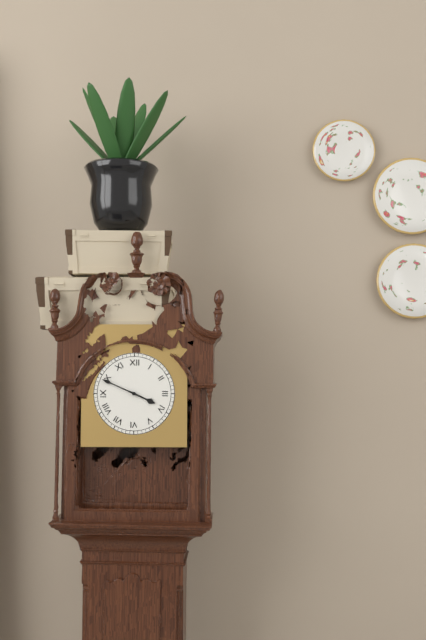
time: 3:49
